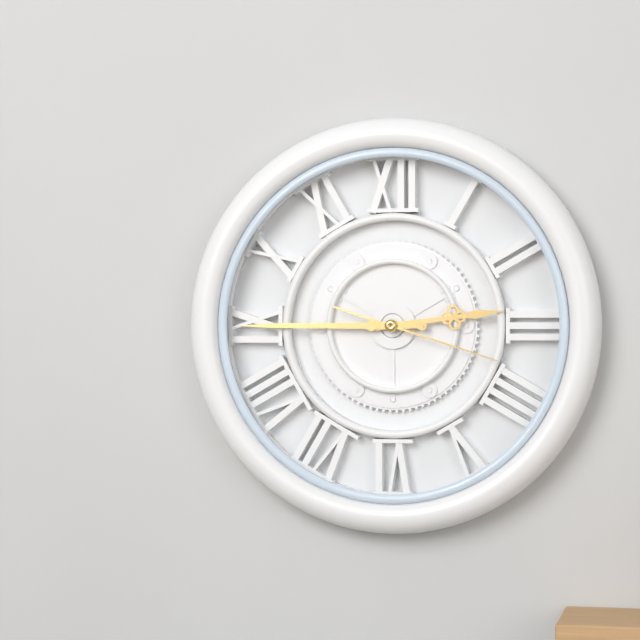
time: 2:45:18
